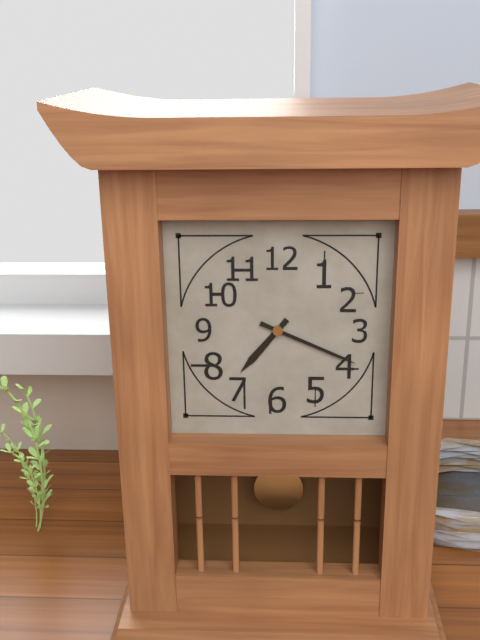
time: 7:19
